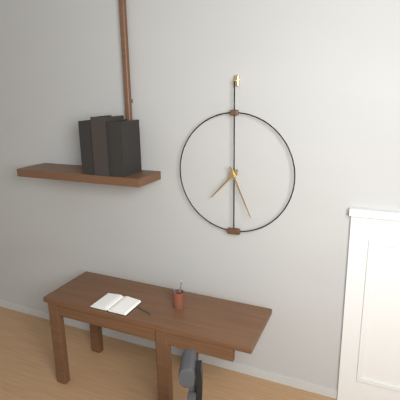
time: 7:26
